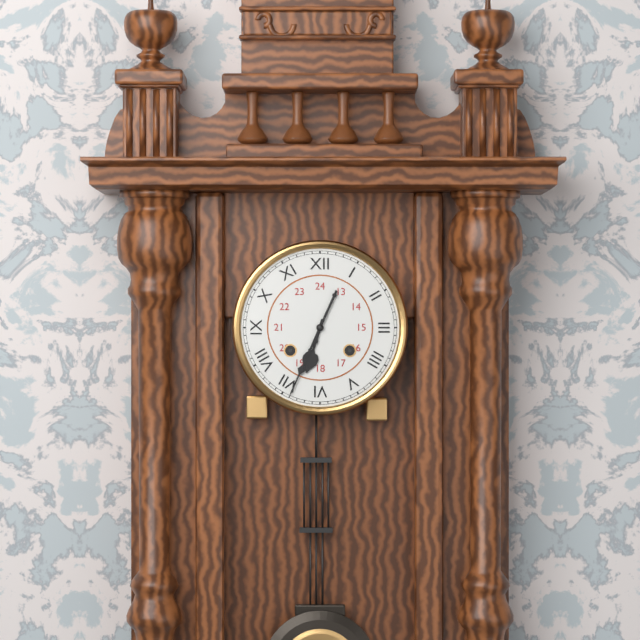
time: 6:34
